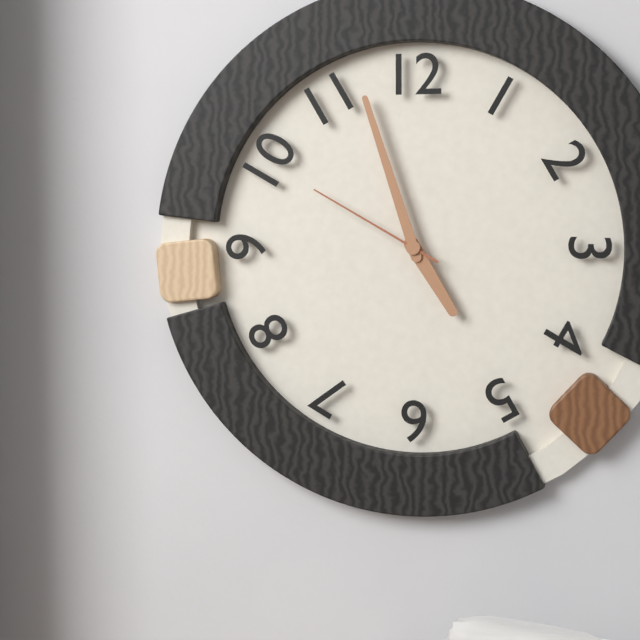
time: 4:57:50
